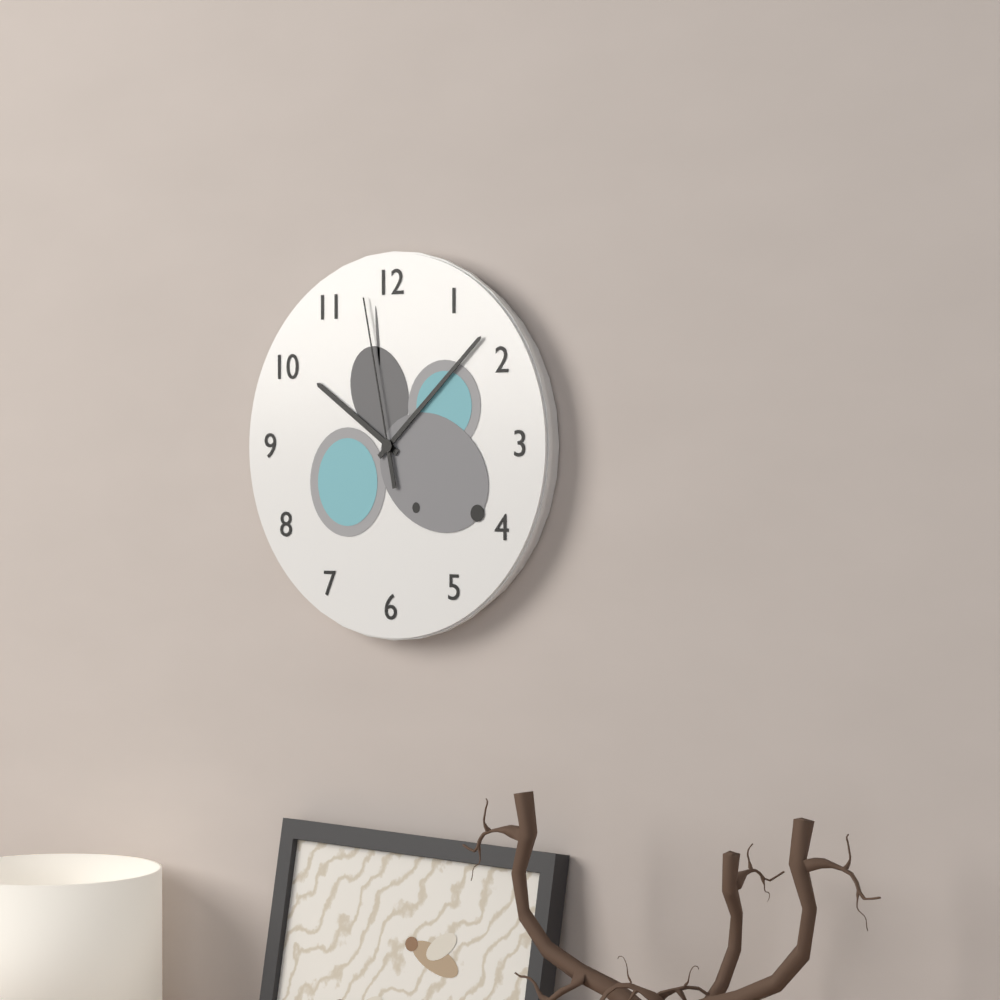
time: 10:08:58
